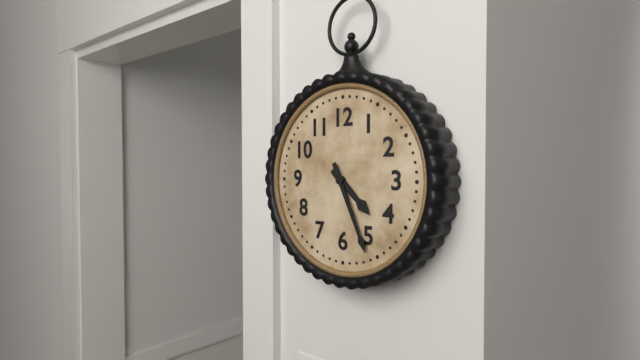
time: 4:26
